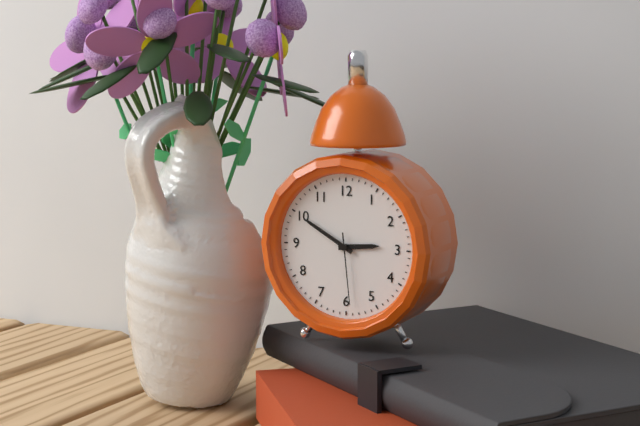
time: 2:50:29
